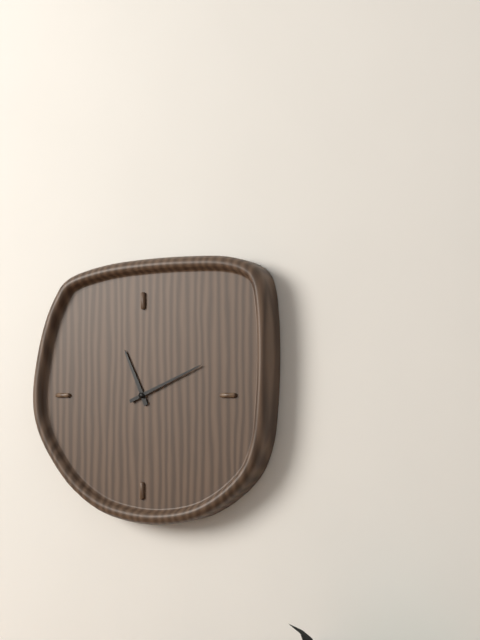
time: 11:11
